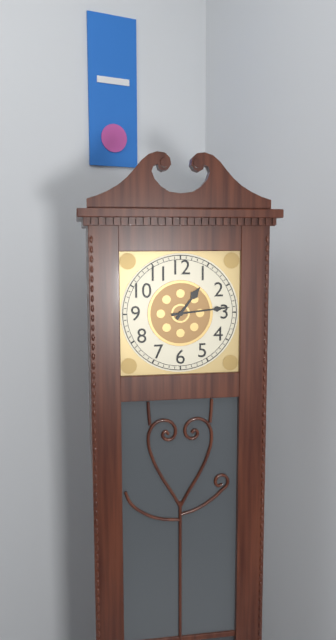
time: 1:14
